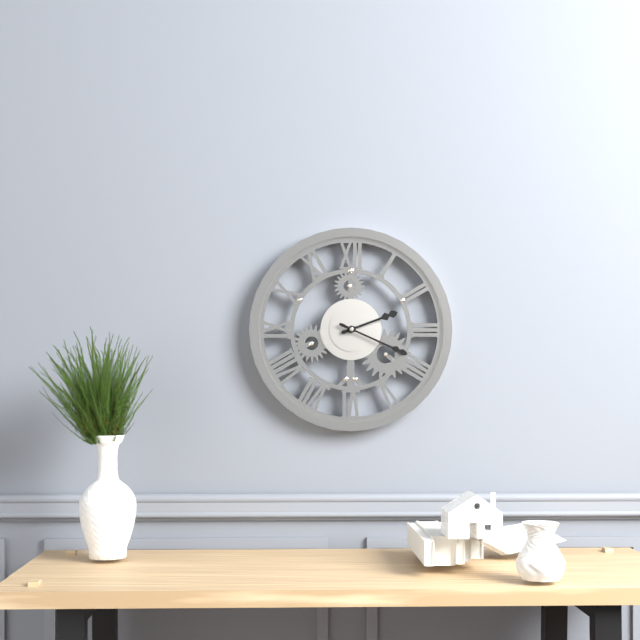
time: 2:19
